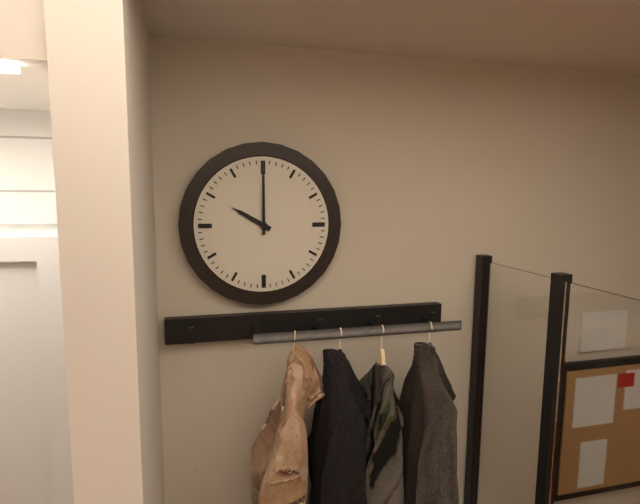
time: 10:00
